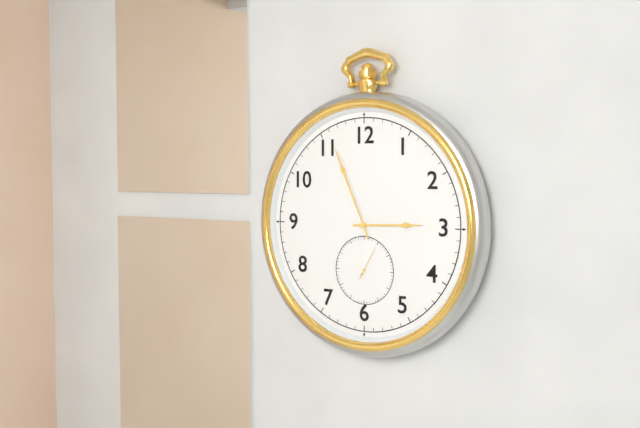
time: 2:56
